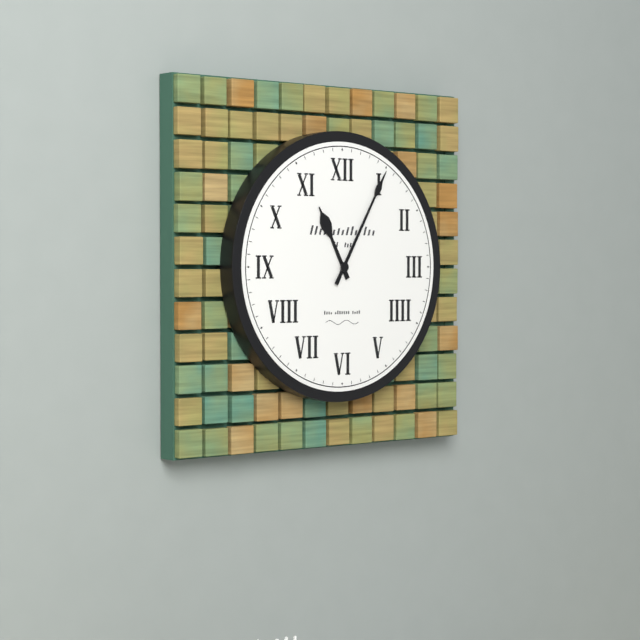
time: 11:05
